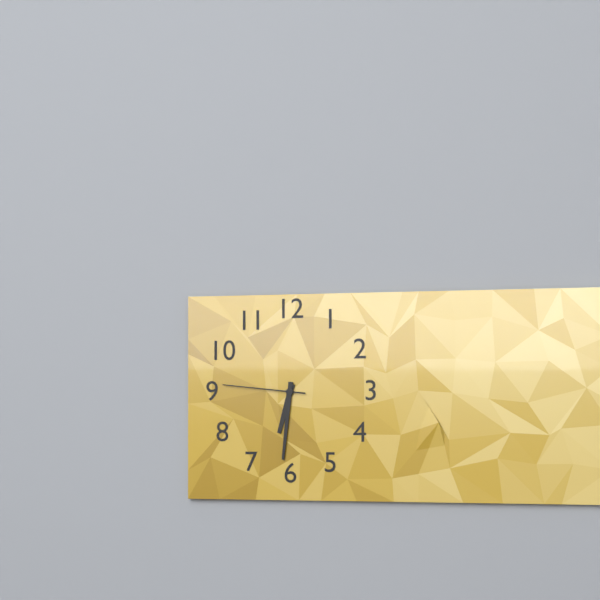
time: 6:31:46
